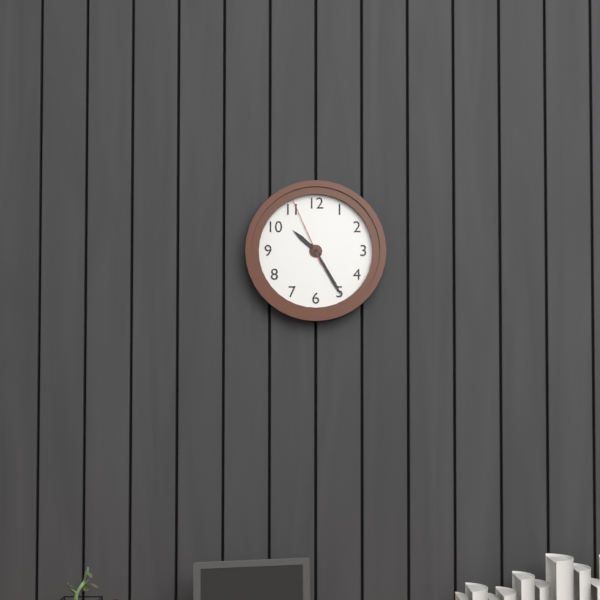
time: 10:25:56
